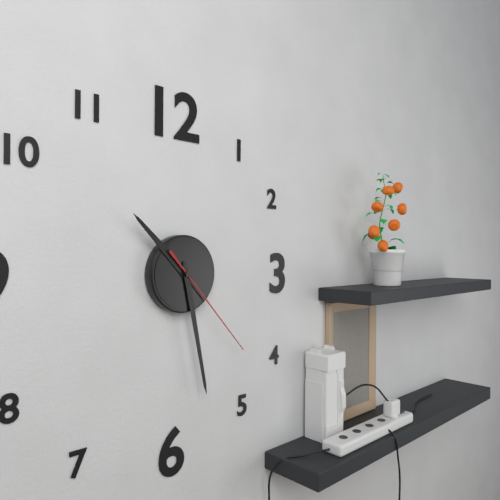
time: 10:28:23
